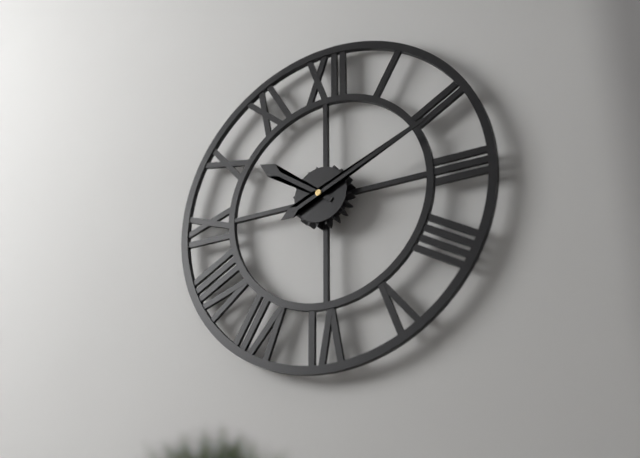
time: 10:11
